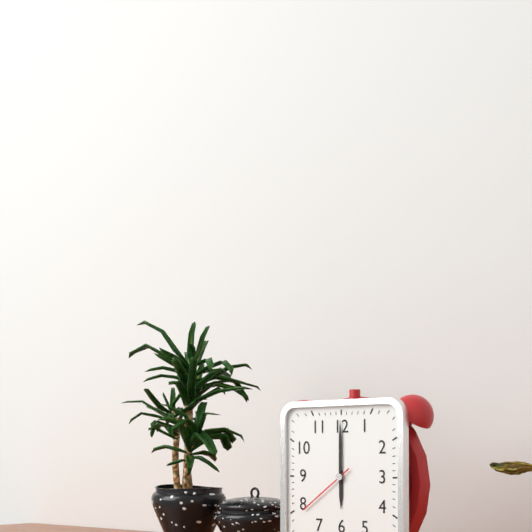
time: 6:00:39
